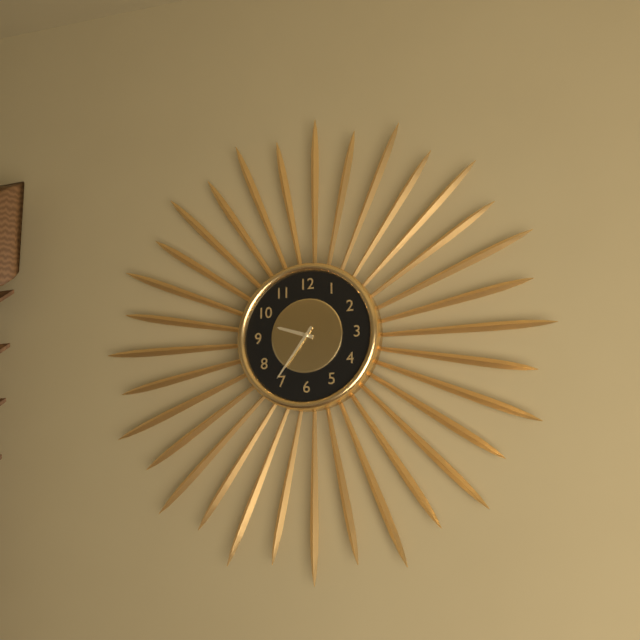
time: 9:36
